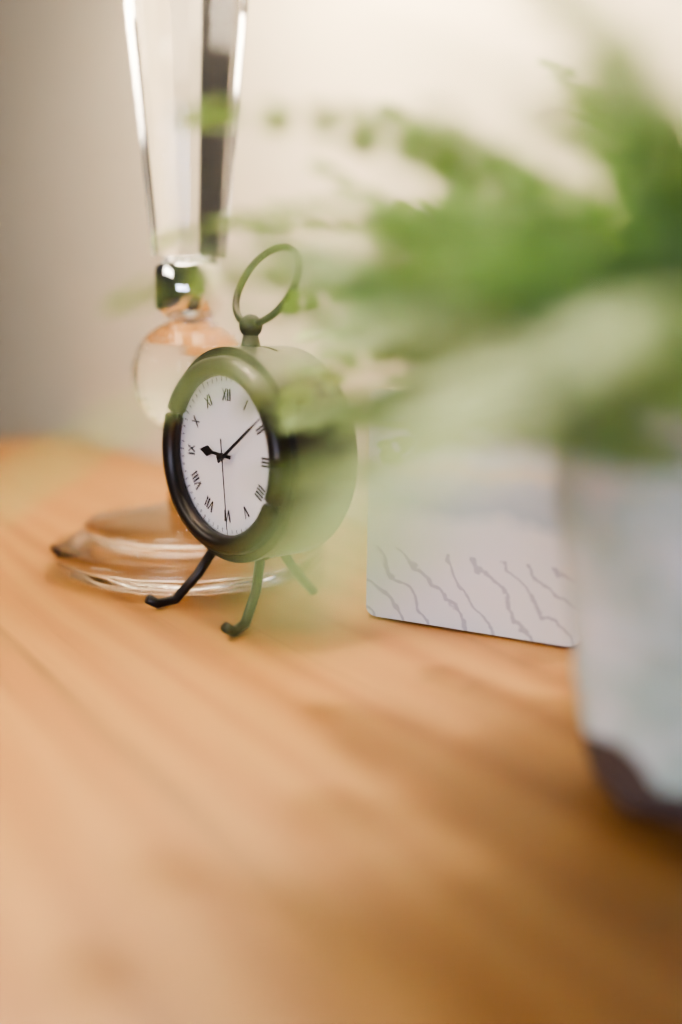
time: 9:09:29
